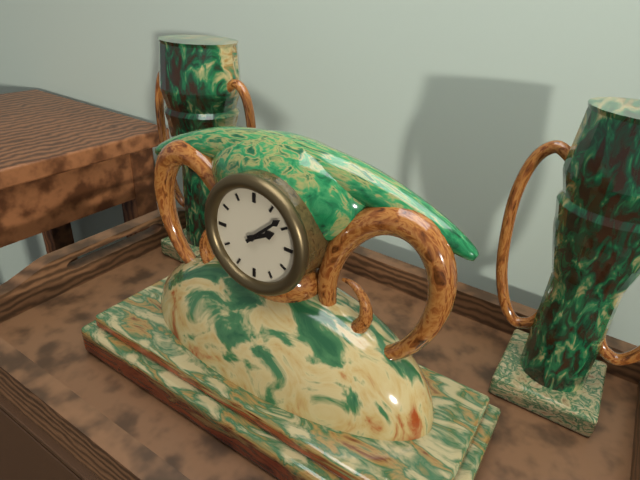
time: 2:08
